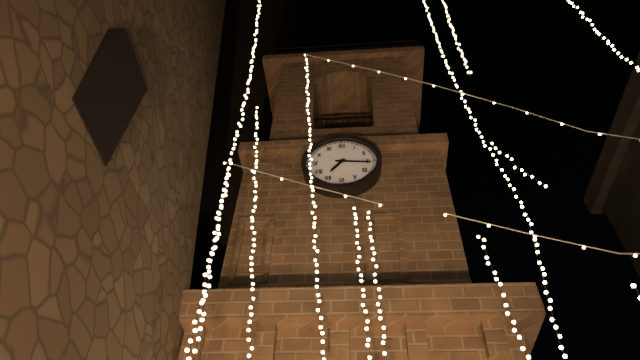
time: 7:16
